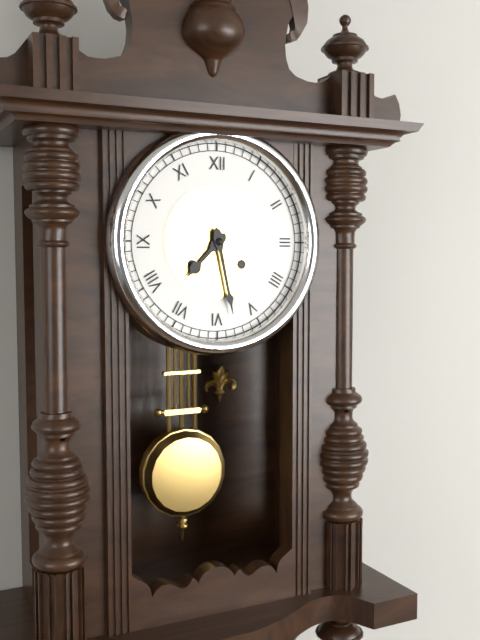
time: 7:28
